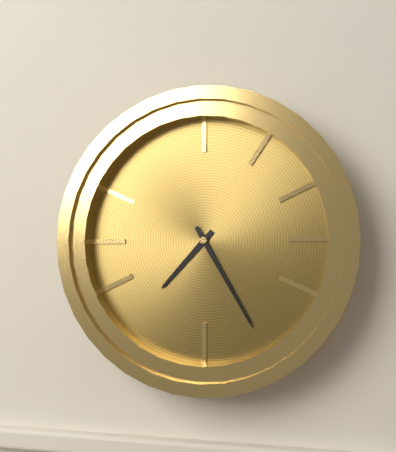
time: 7:25
